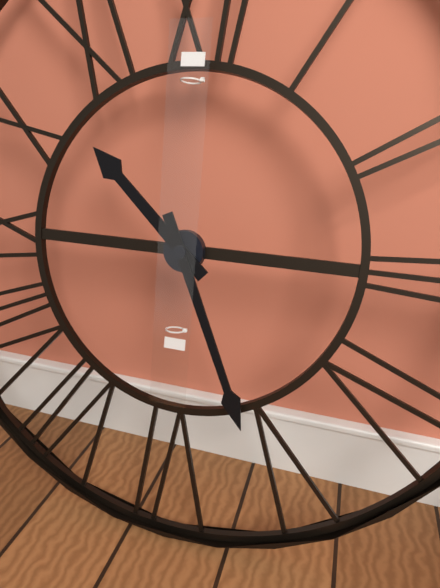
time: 10:26
